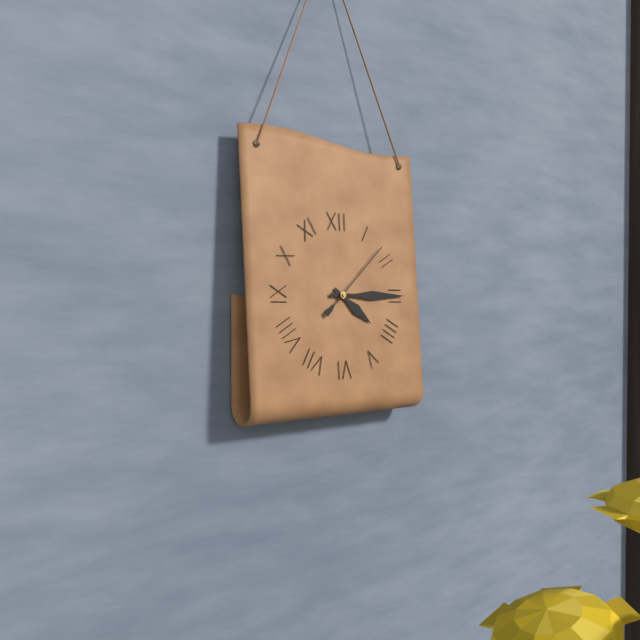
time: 4:15:08
